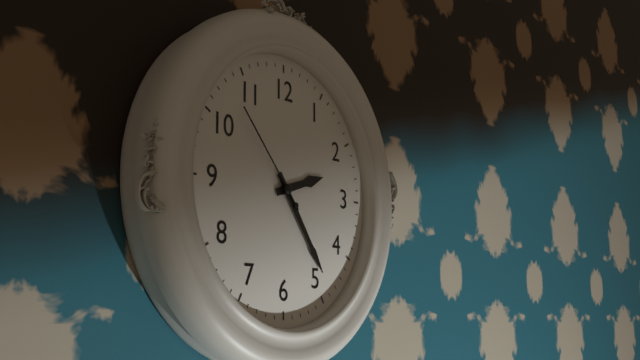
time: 2:24:53
